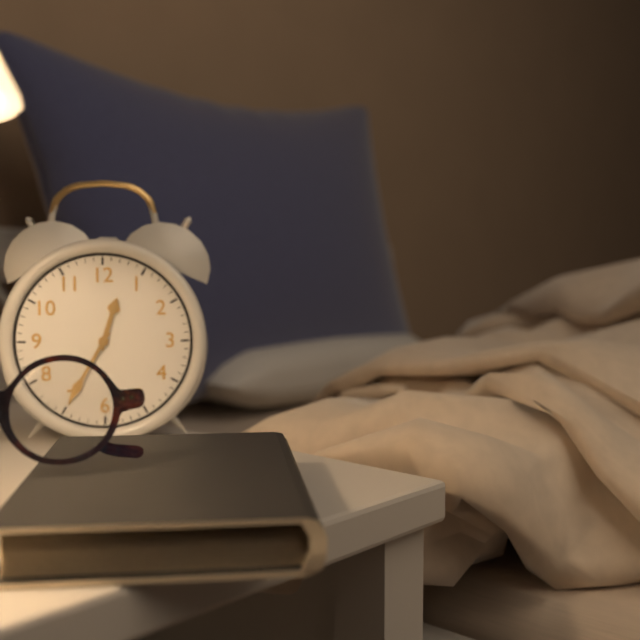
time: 12:35
